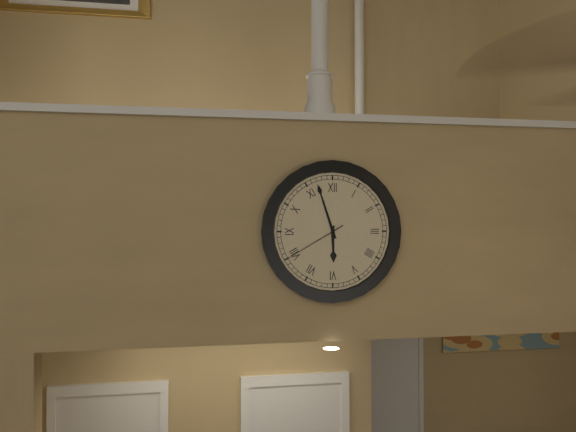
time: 5:57:40
